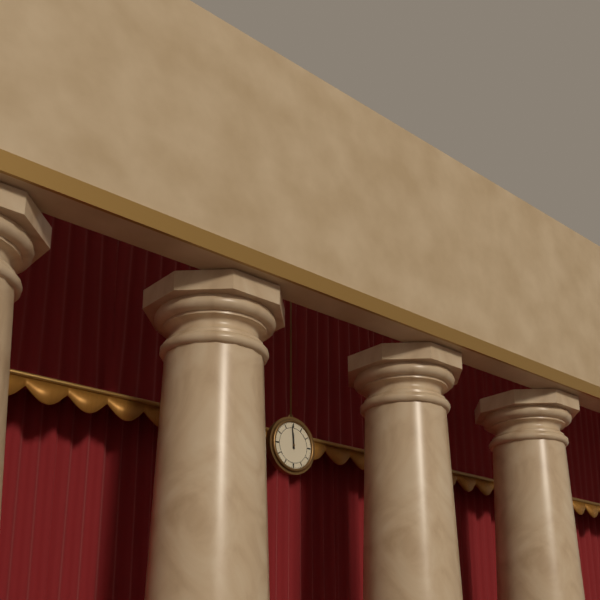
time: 11:59
